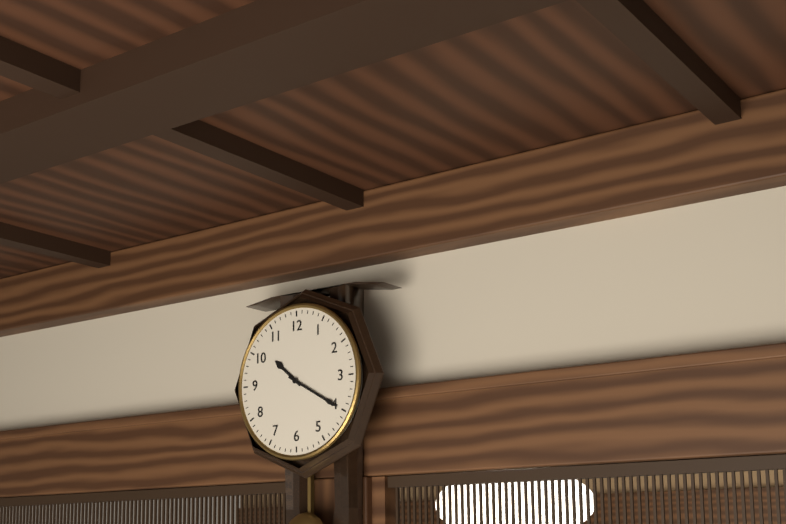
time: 10:20
